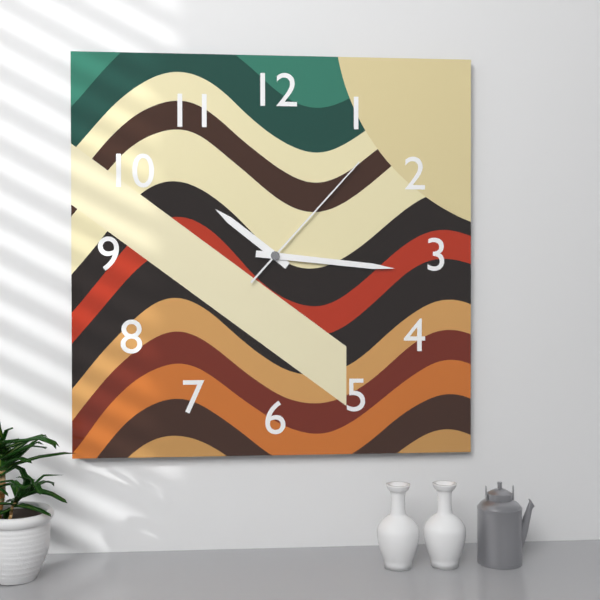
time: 10:16:07
